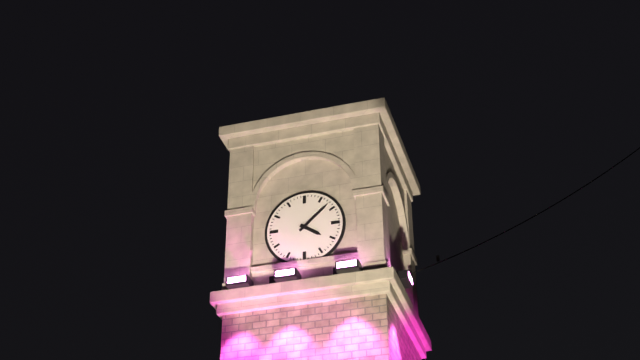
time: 4:08
